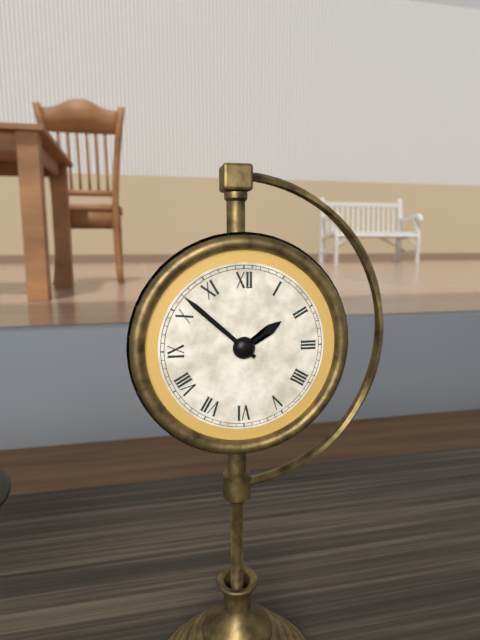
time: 1:52
